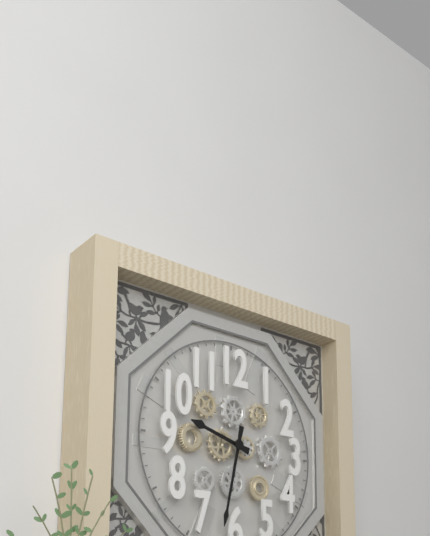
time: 9:32
